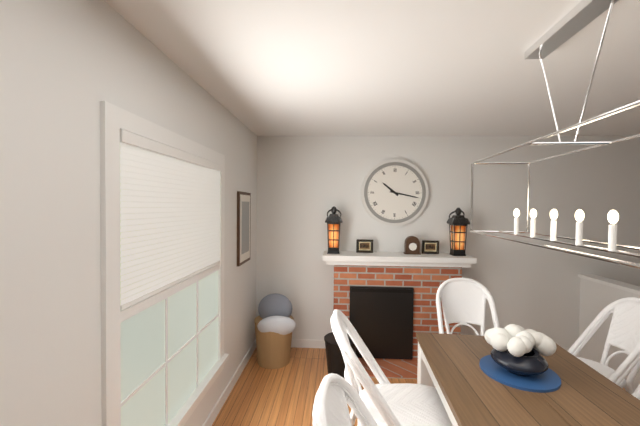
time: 10:17
